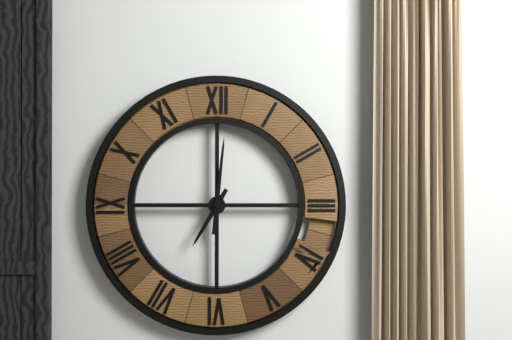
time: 7:01
